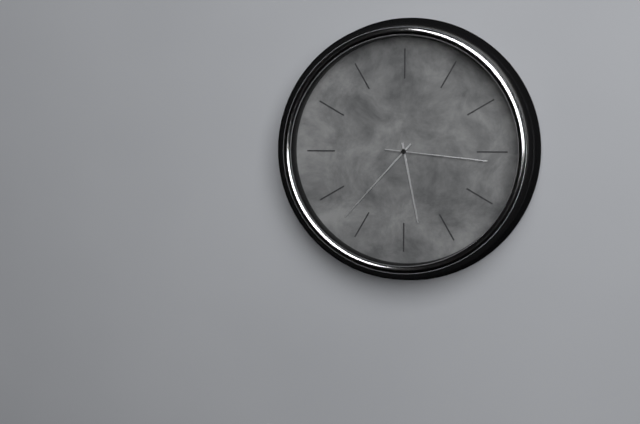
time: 5:37:16
